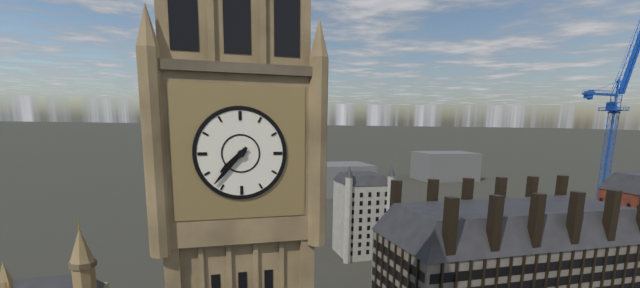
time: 7:37
